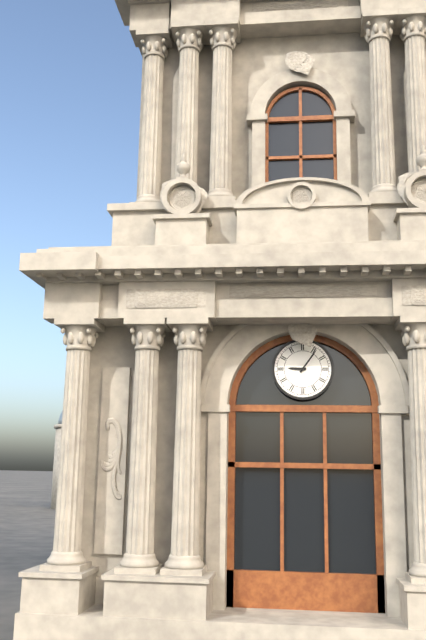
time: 9:06
